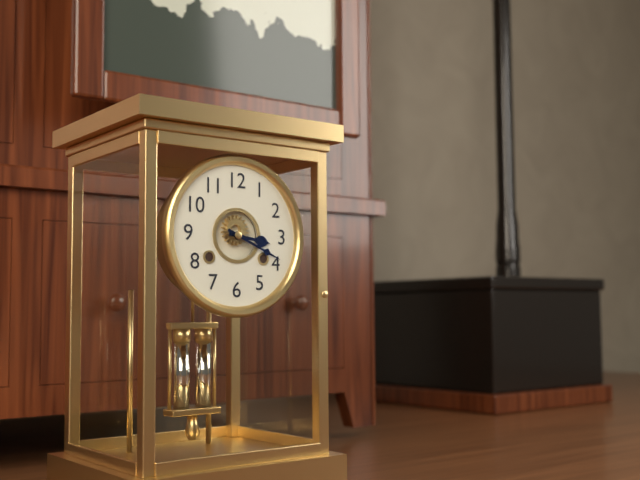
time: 3:19
